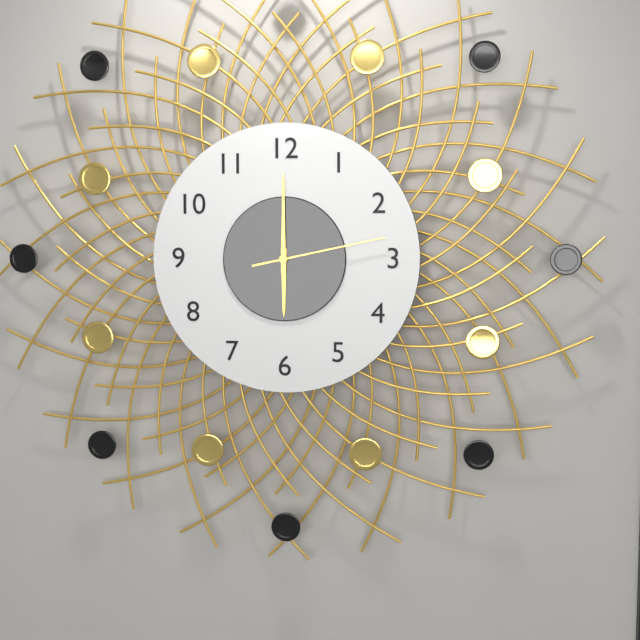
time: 6:00:13
